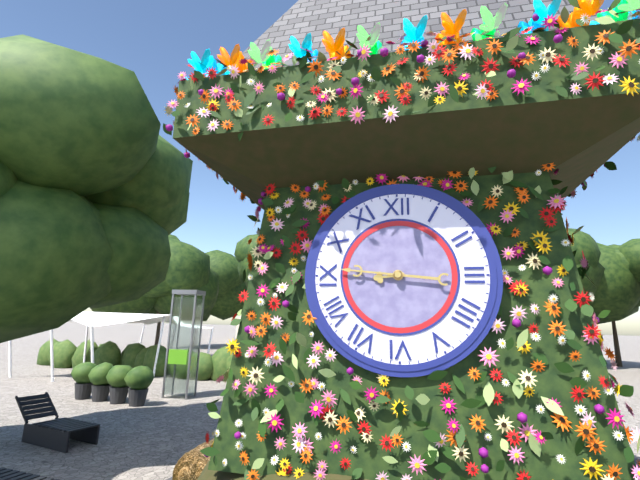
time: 8:46
